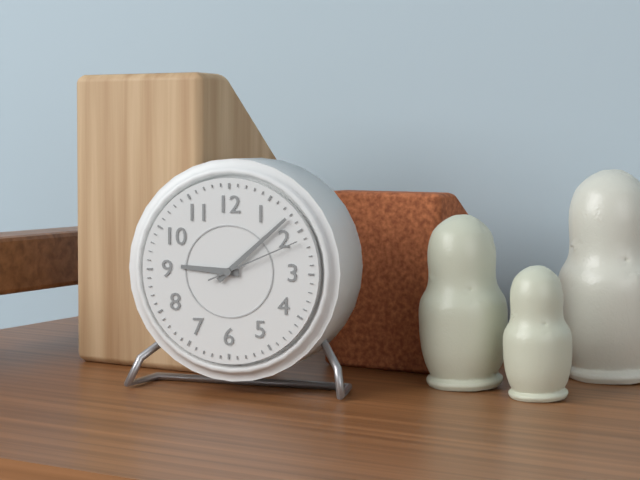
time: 9:08:11
